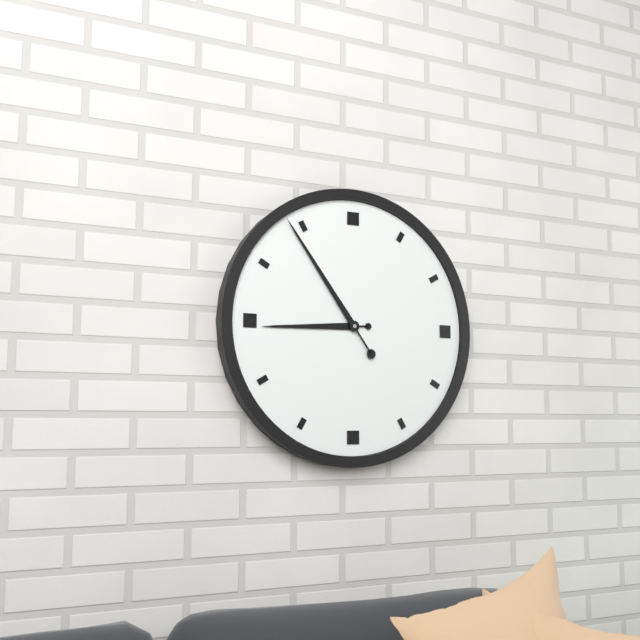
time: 8:54
